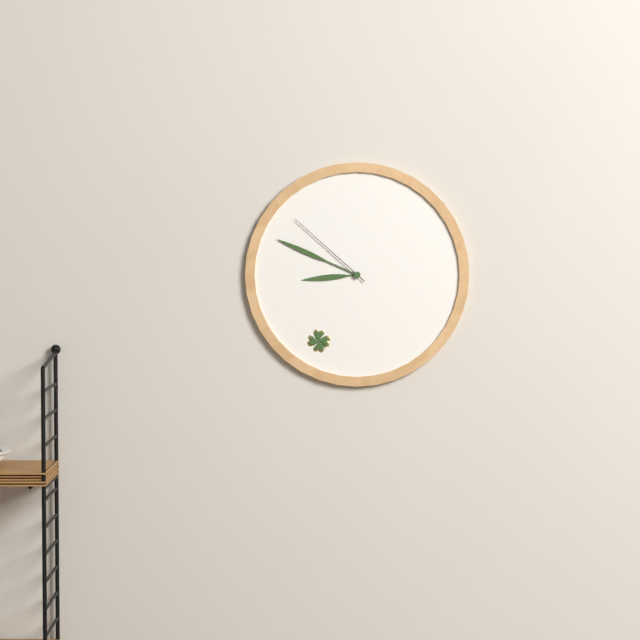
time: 8:49:52
